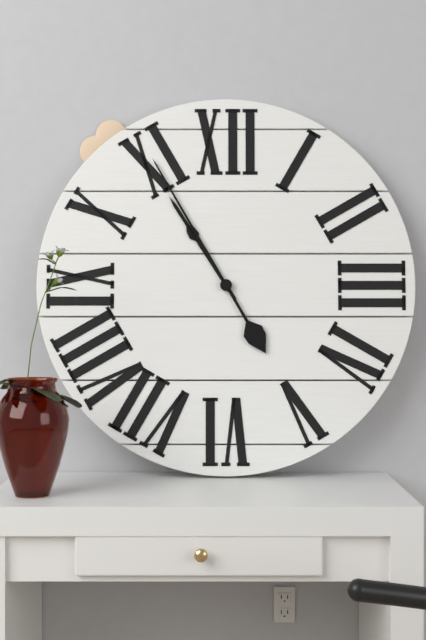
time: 10:55
